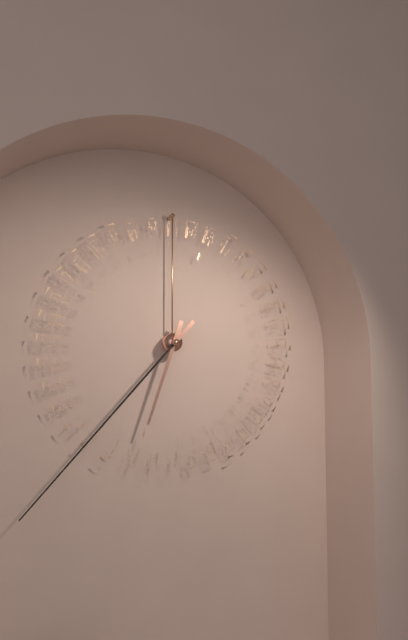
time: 6:37
